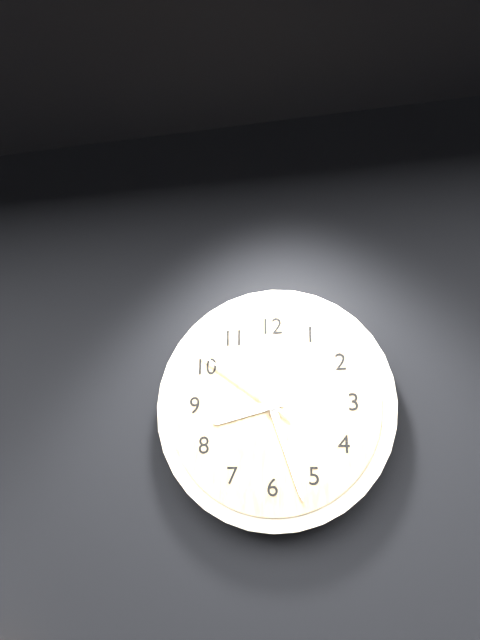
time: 8:27:51
